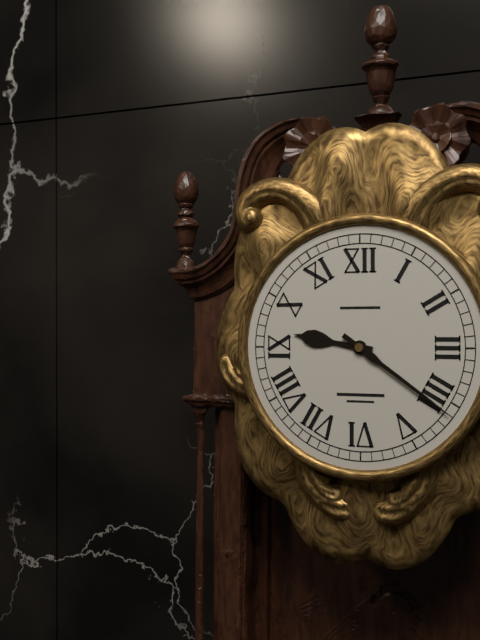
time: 9:21
